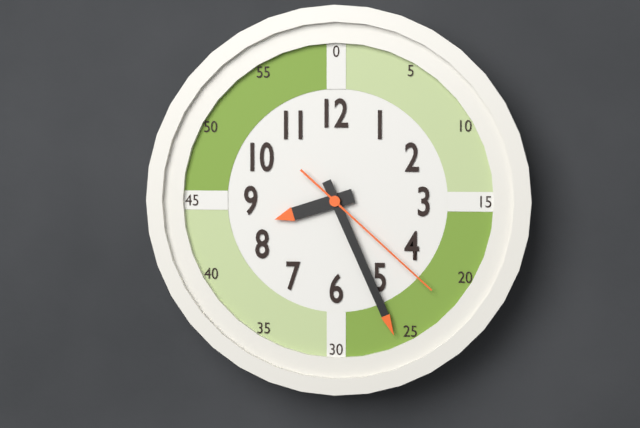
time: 8:26:22
